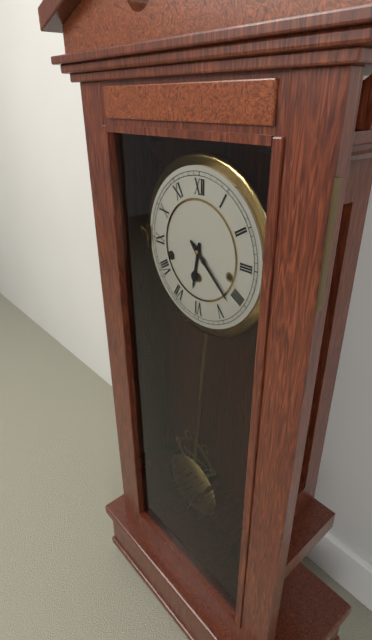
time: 6:22
